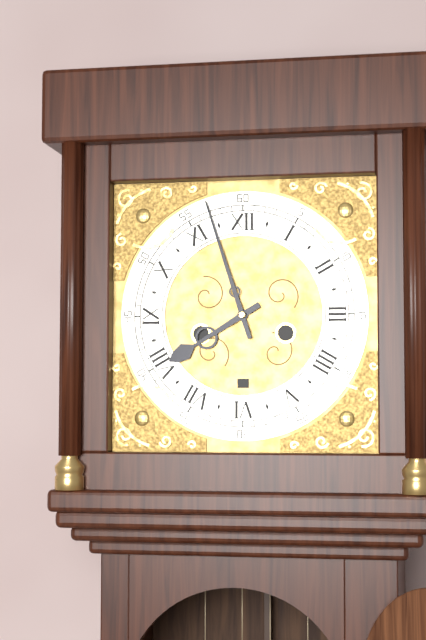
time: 7:57
